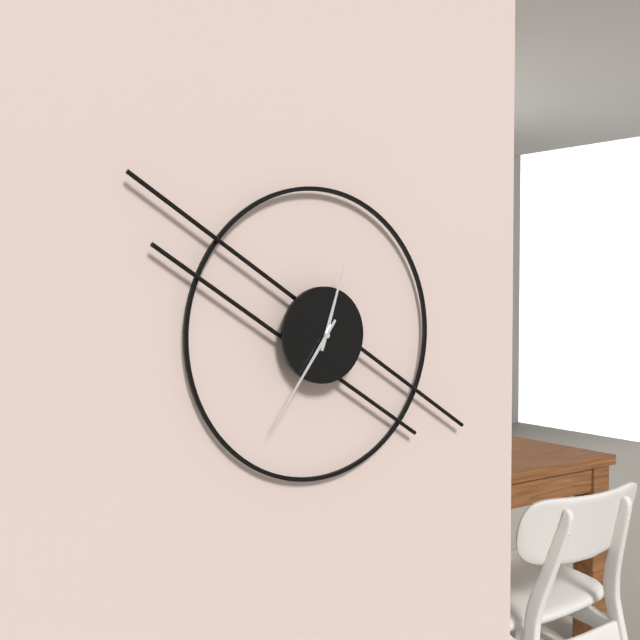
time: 12:36
